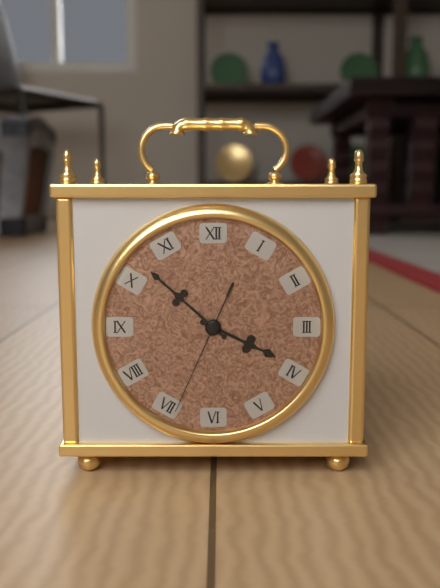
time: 3:52:34
